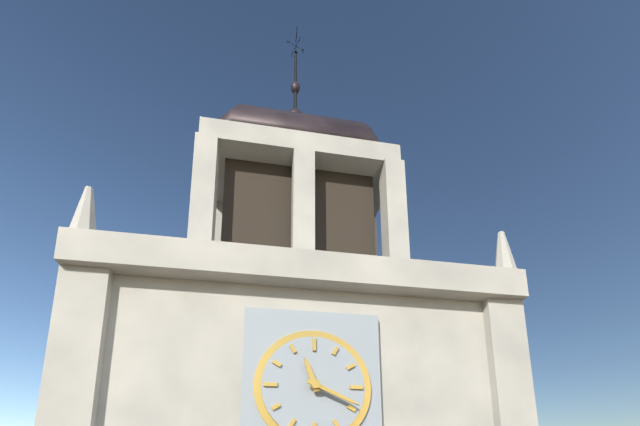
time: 11:19
